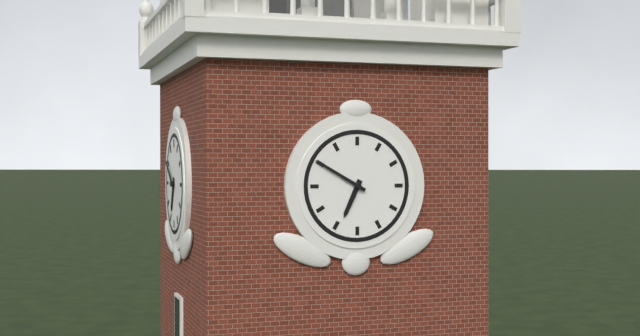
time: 6:50
